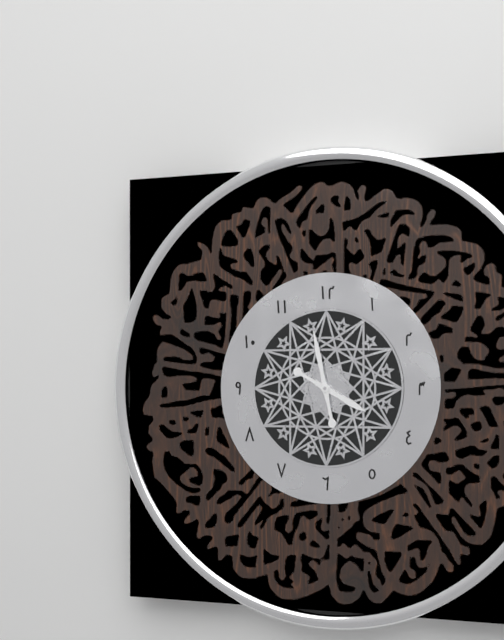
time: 3:58
